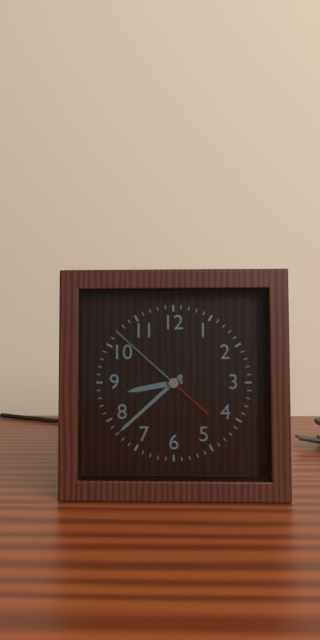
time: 8:38:52
